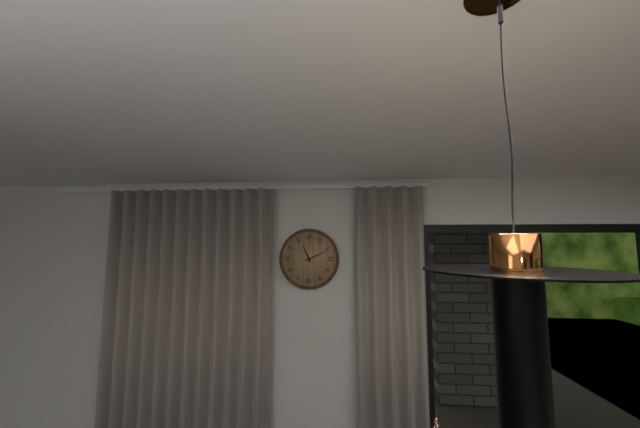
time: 11:11
